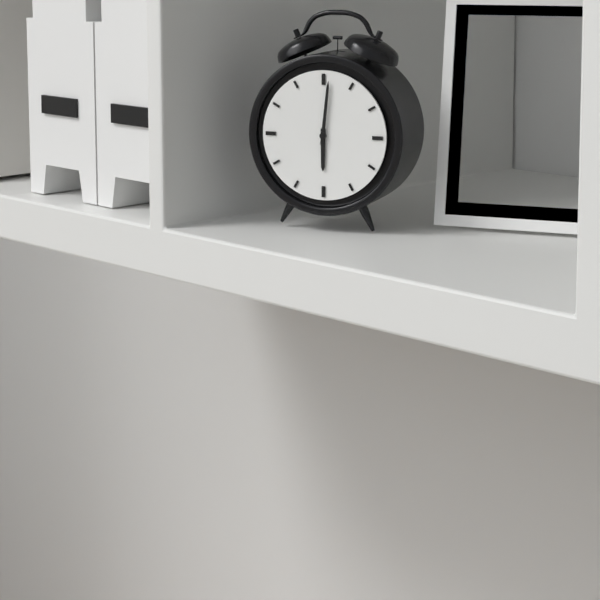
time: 6:01
